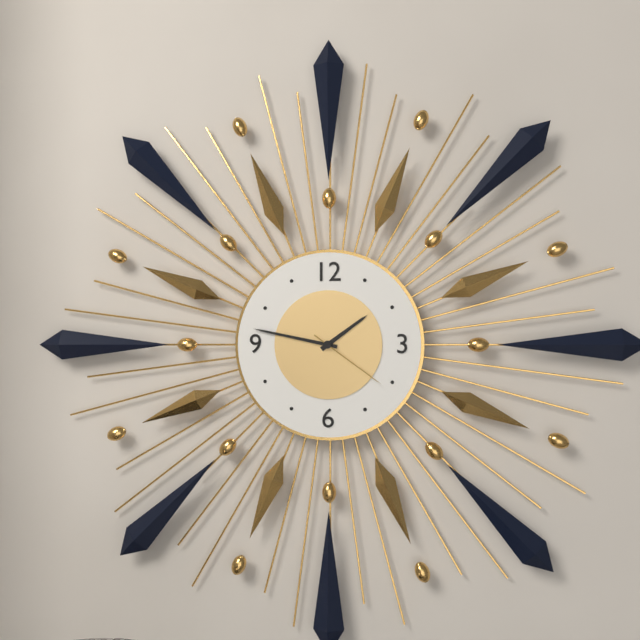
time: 1:47:21
